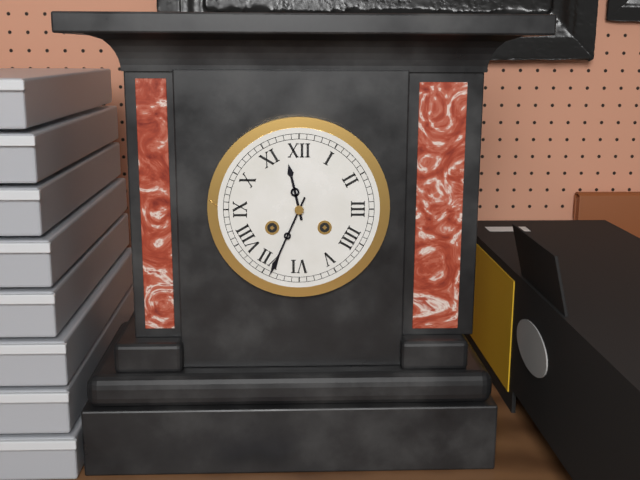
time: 11:34
